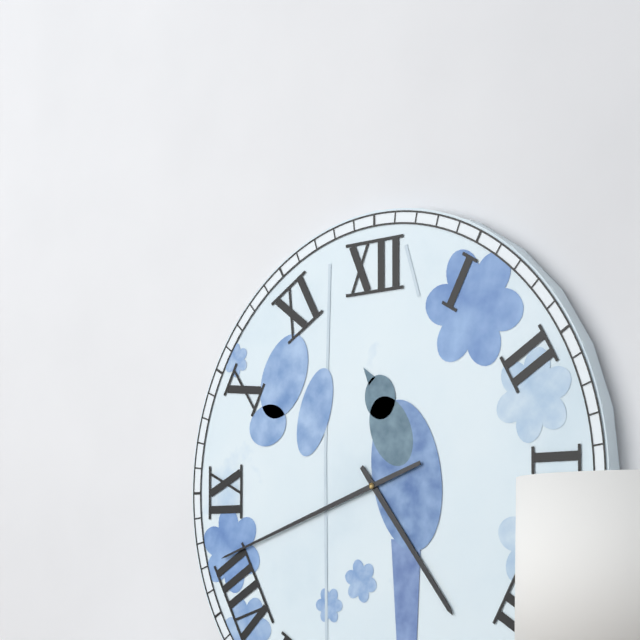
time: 4:42
